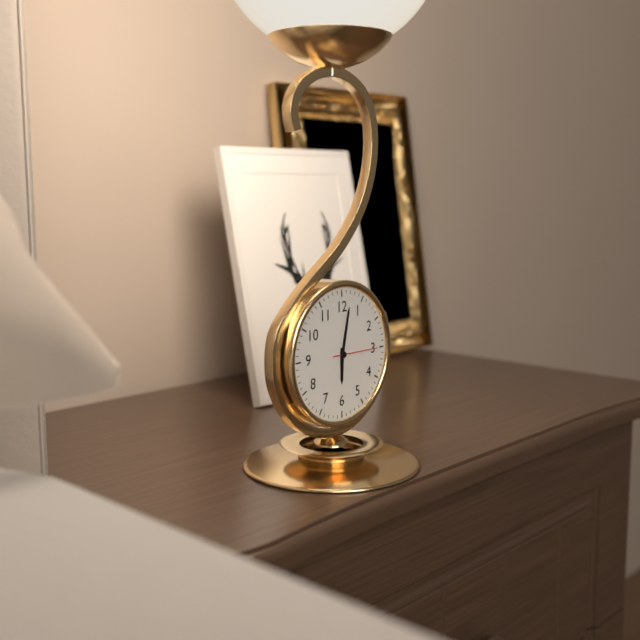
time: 6:02
